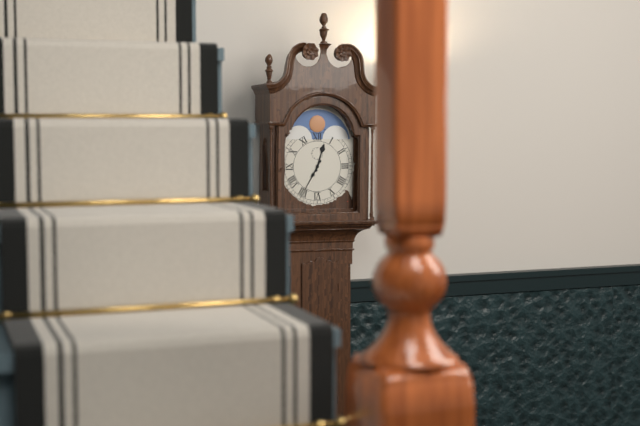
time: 12:35
